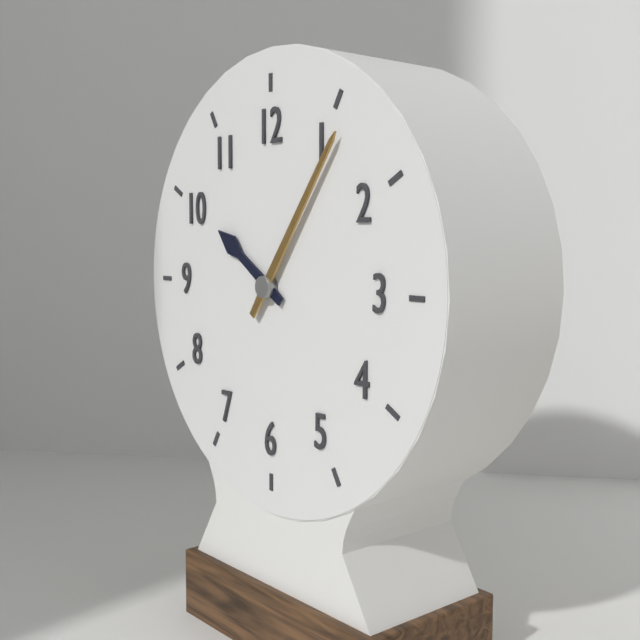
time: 10:06
